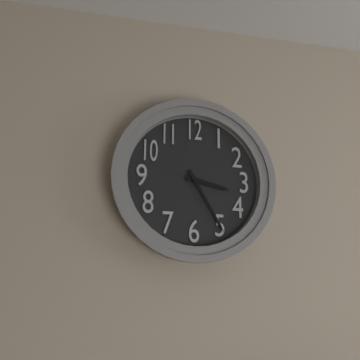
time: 3:25
